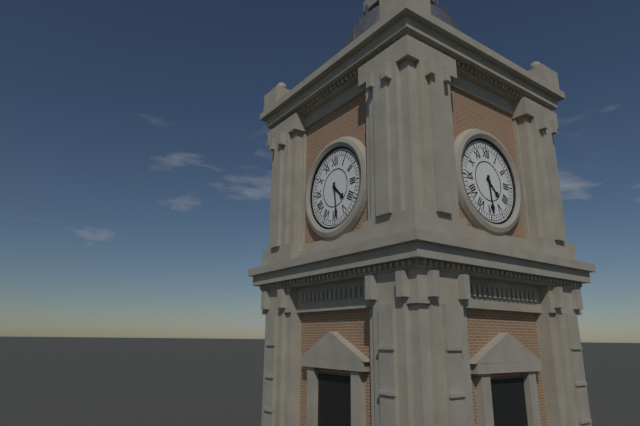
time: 4:29
